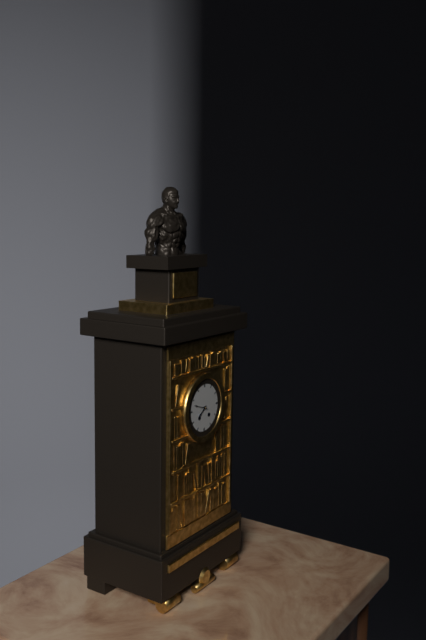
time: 7:48
